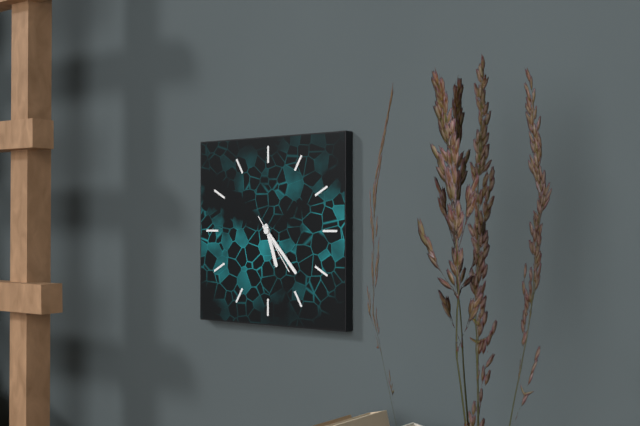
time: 5:23:24
